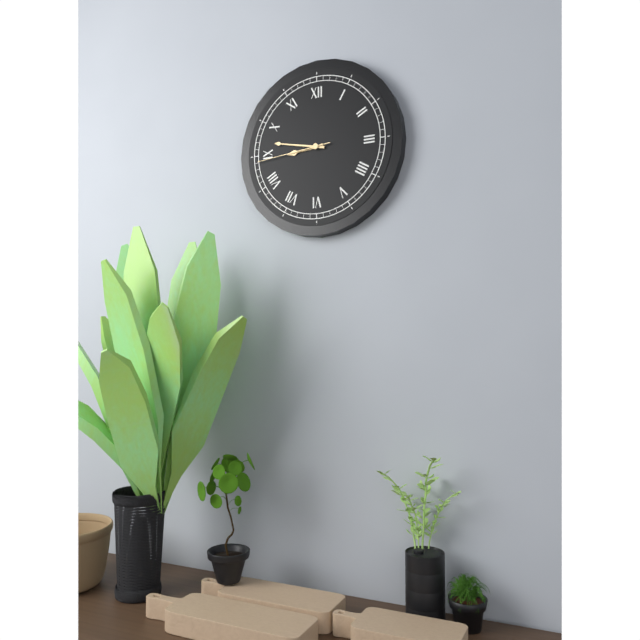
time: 8:47:44
